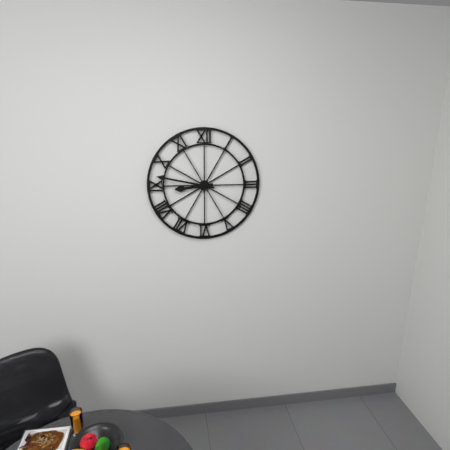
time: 8:47
